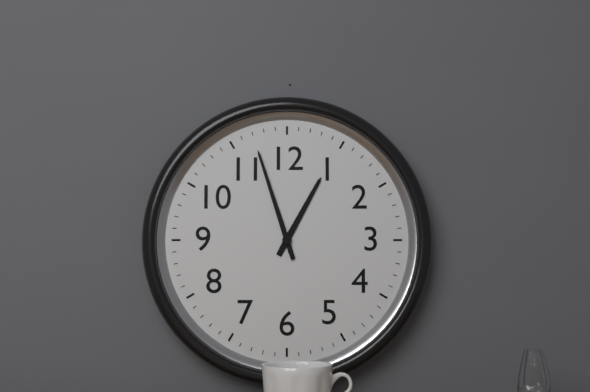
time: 12:57
